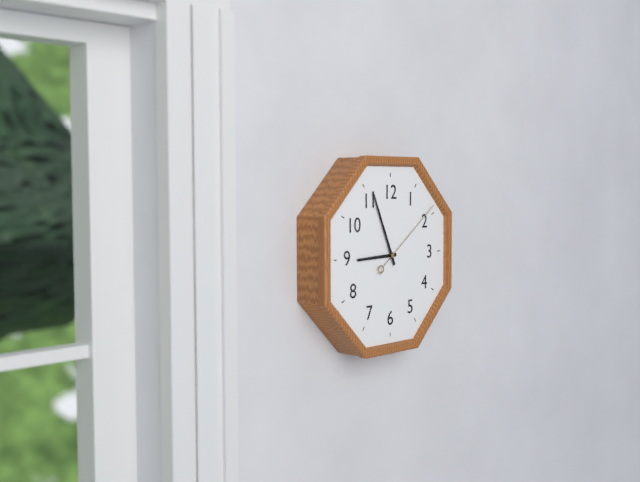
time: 8:56:09
